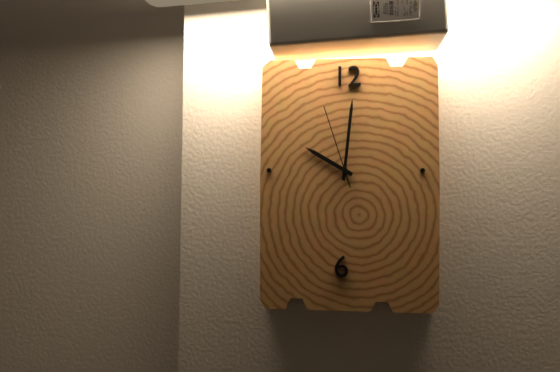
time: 10:01:57
